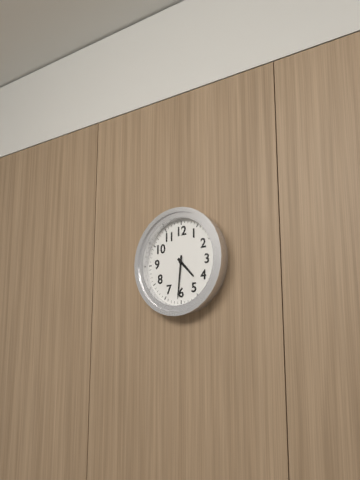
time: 4:31
